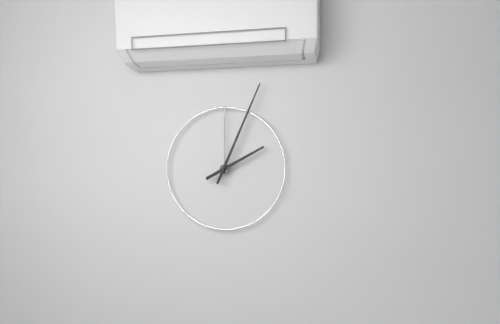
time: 2:04
